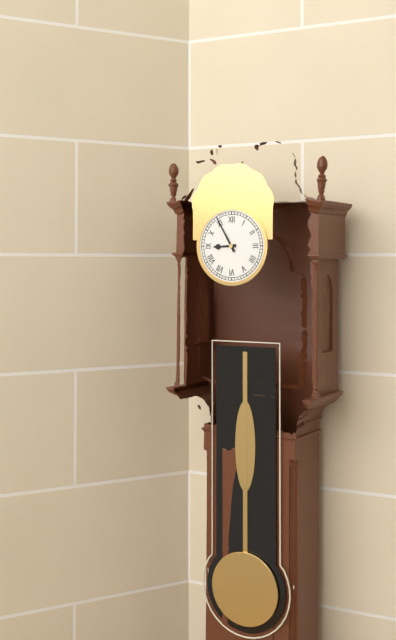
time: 8:55
